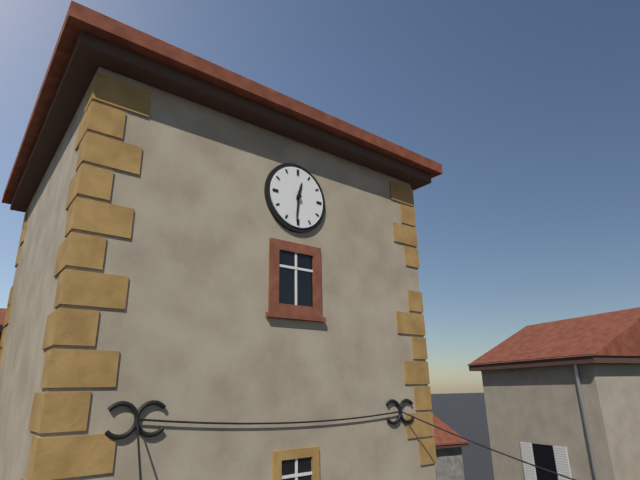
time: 12:31
